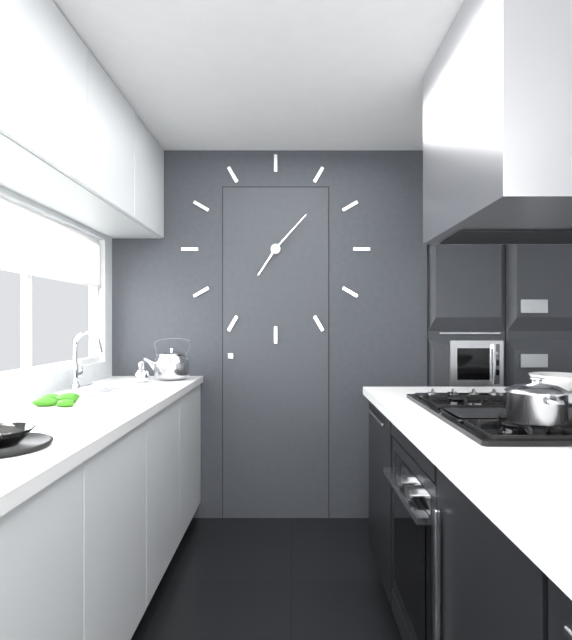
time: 7:07
